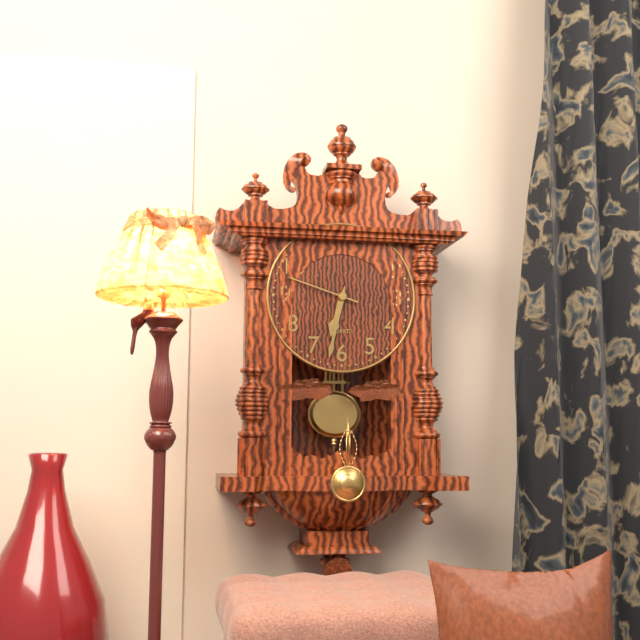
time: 6:32:48
